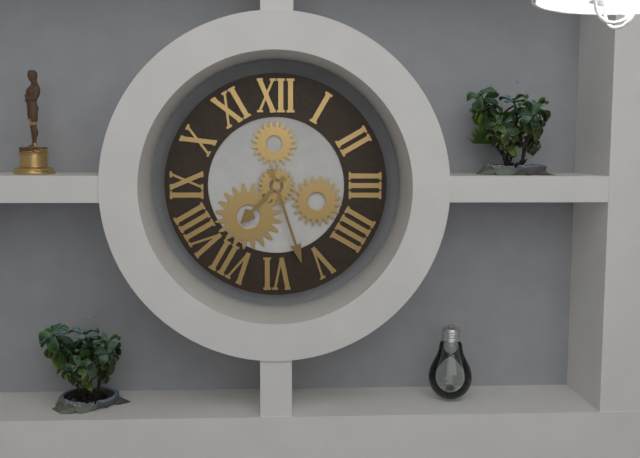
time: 7:27
